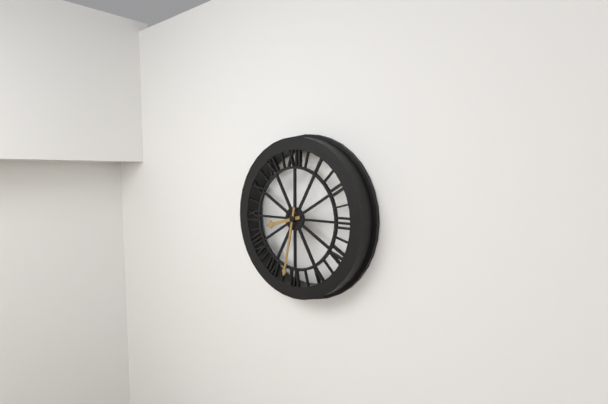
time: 8:32
